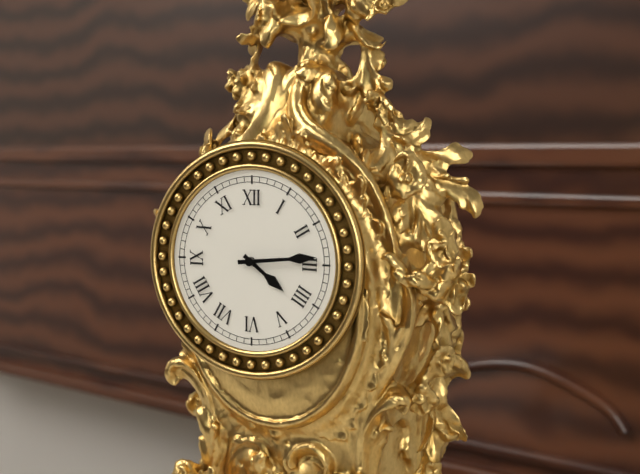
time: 4:14
